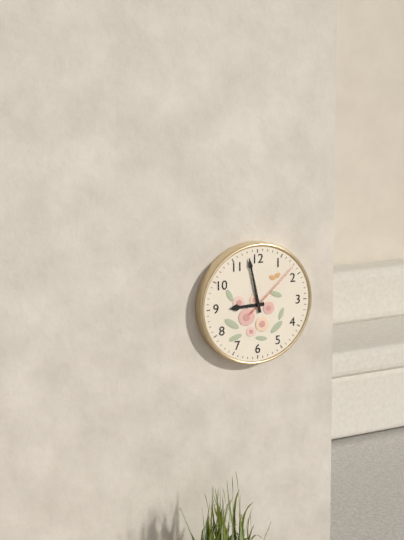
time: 8:58:08
